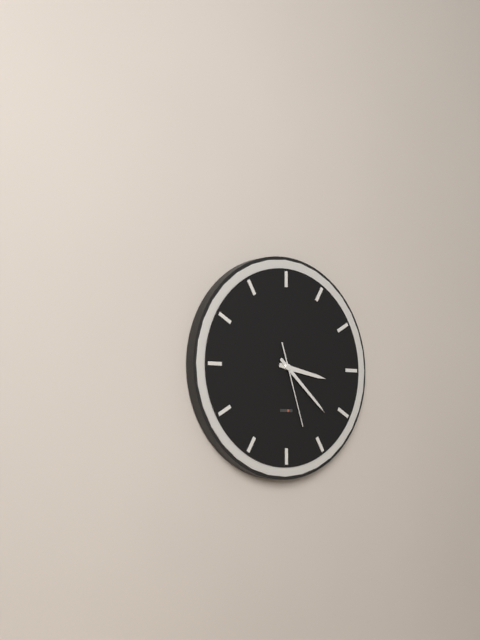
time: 3:22:27
